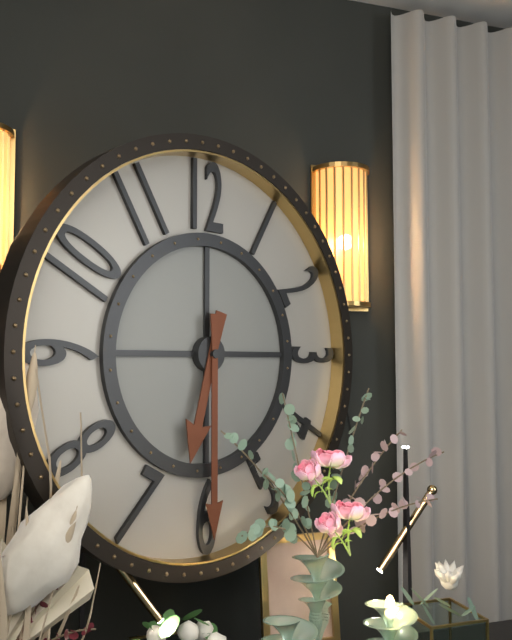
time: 6:30
